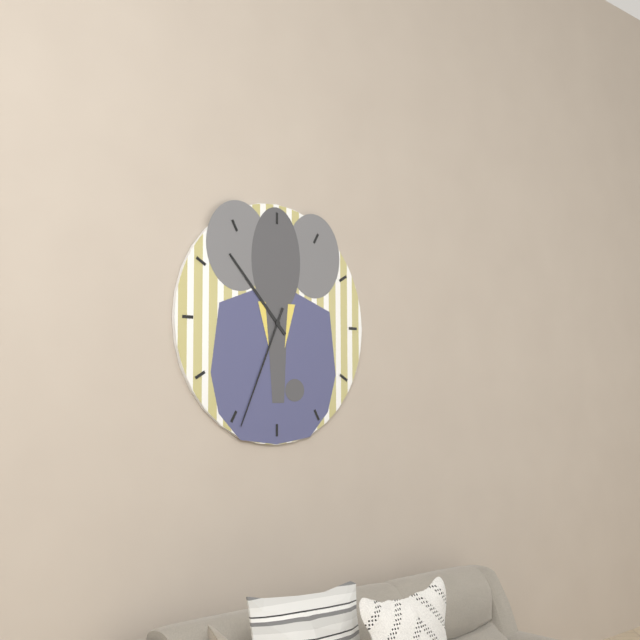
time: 10:34
